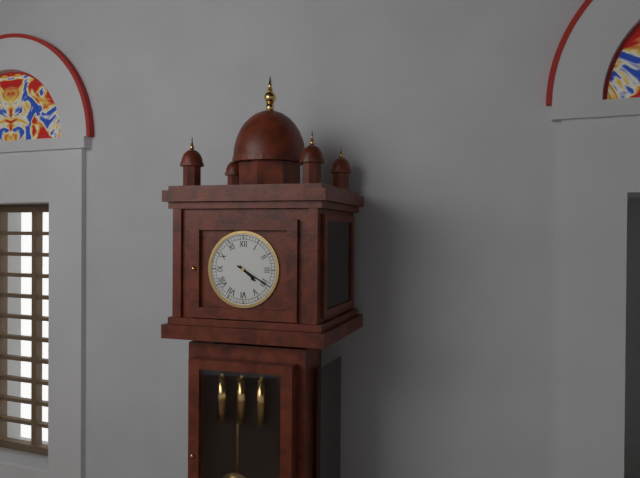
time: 4:20
